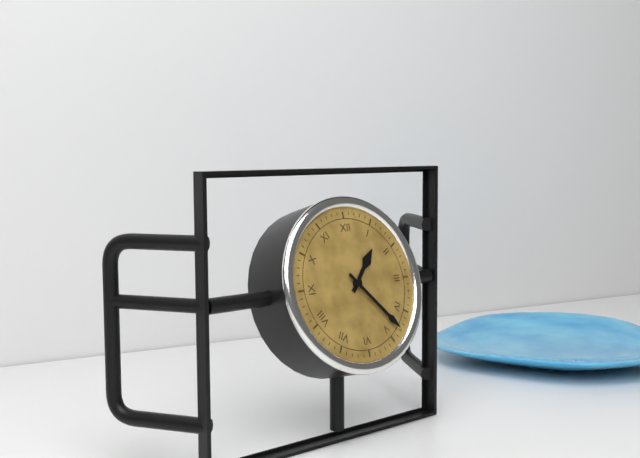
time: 1:23
